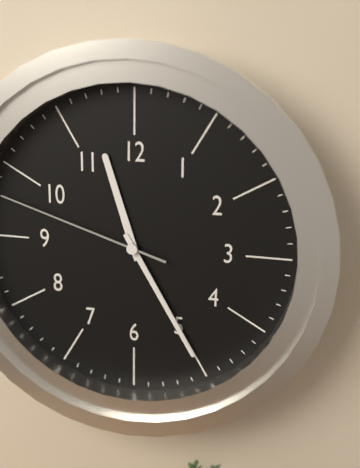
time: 11:25:48
